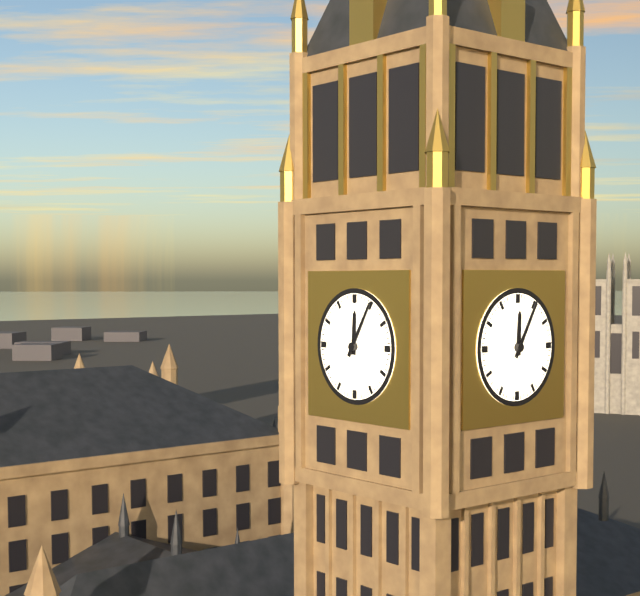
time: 12:05
